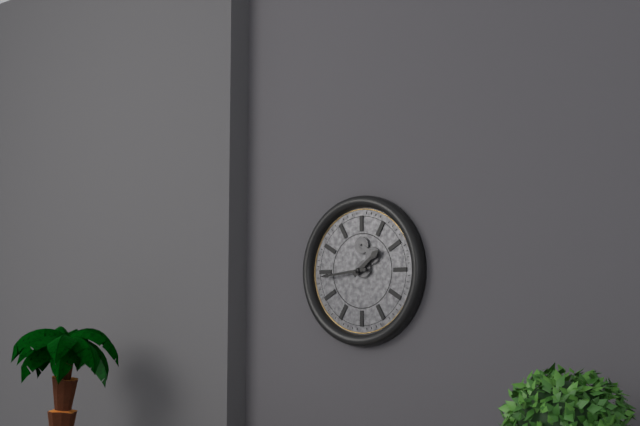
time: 1:44
